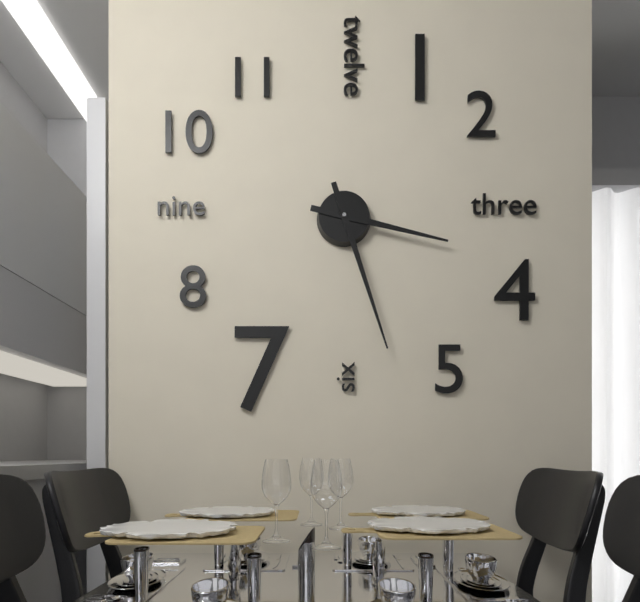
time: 3:27
